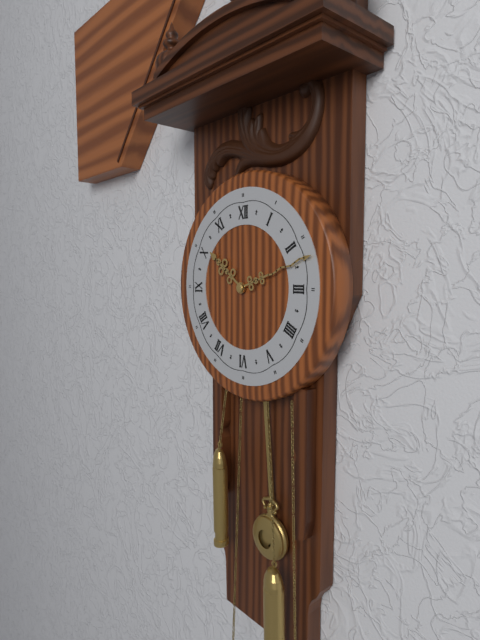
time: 10:12
